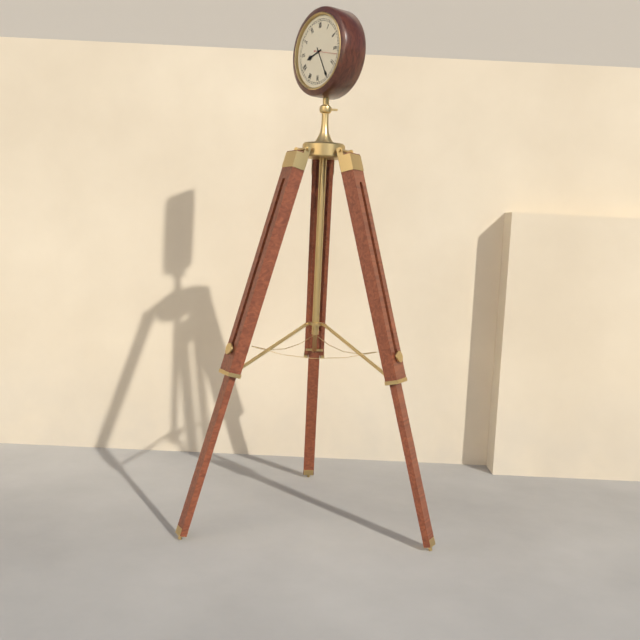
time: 8:25
